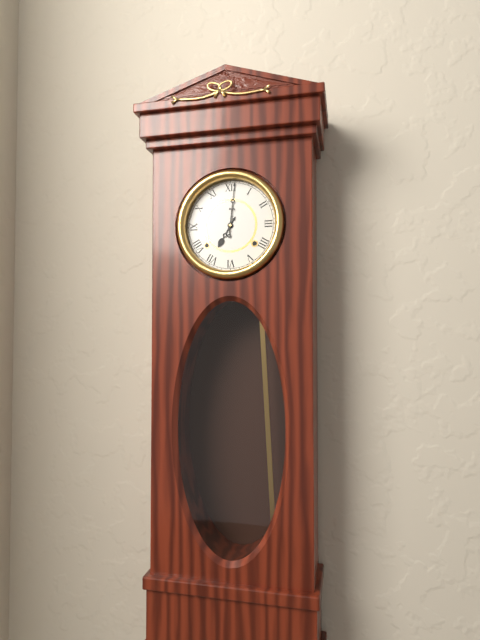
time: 7:01
